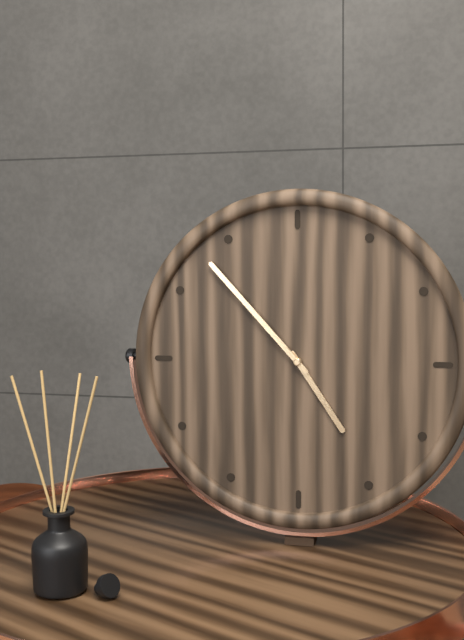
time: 4:53
